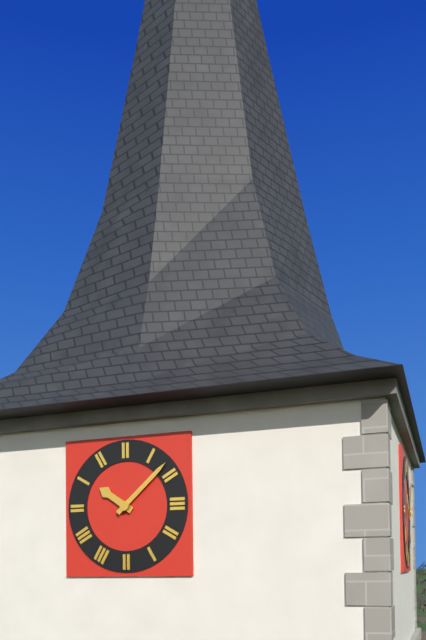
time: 10:08
